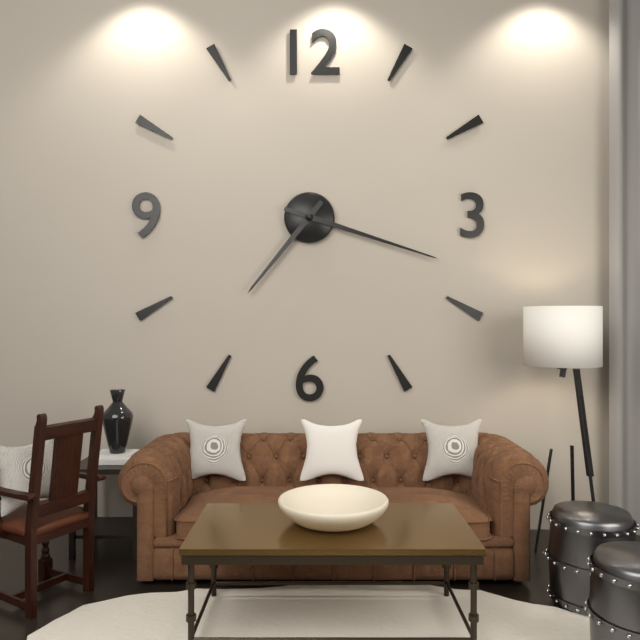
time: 7:18
